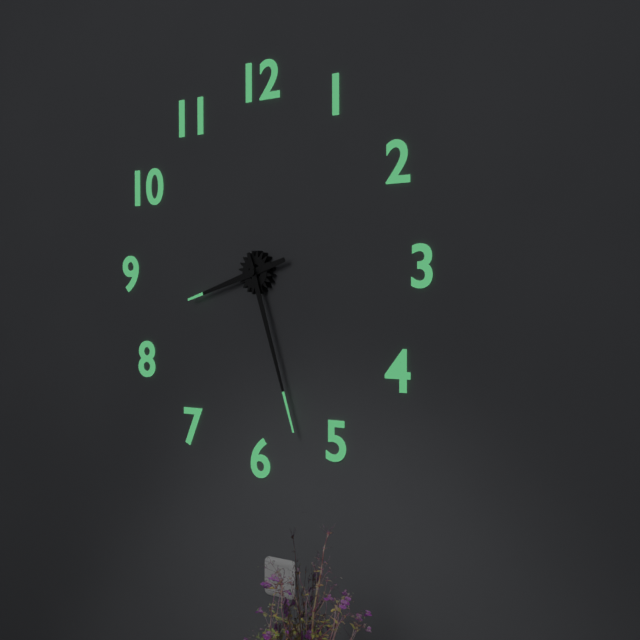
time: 8:27
